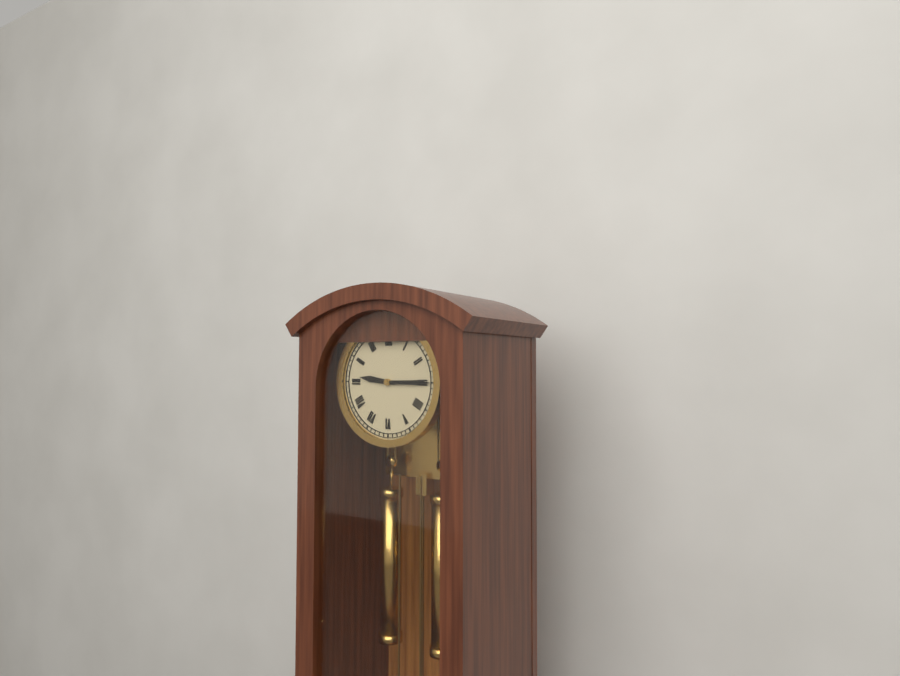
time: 9:15
